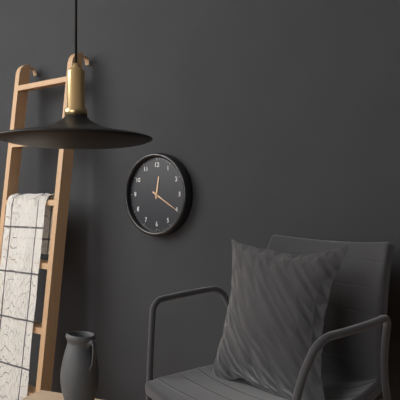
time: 12:20
